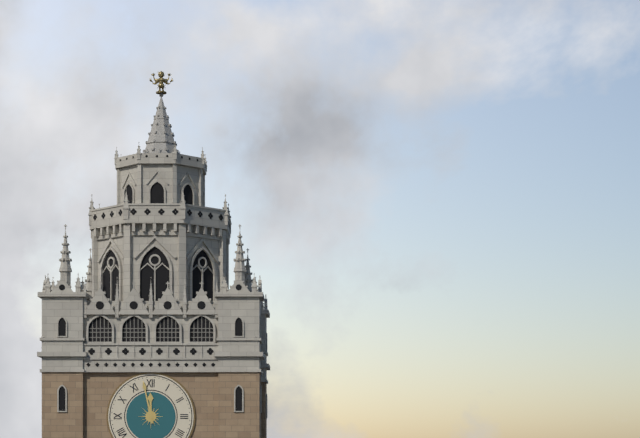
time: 11:58
